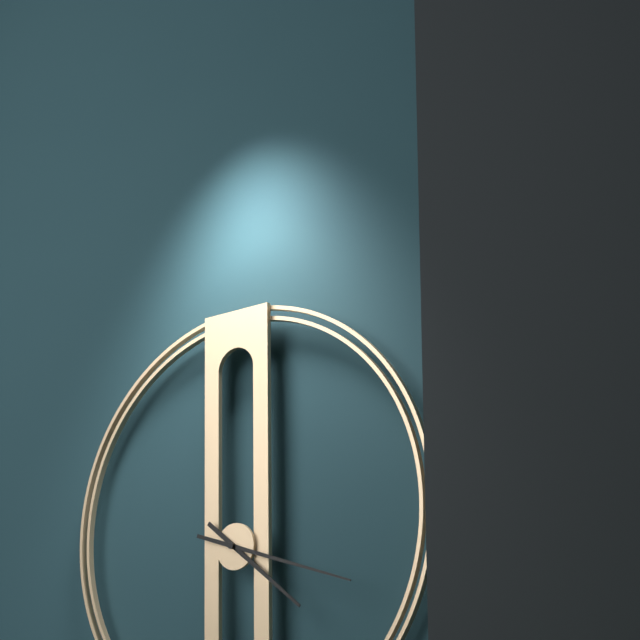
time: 4:18
